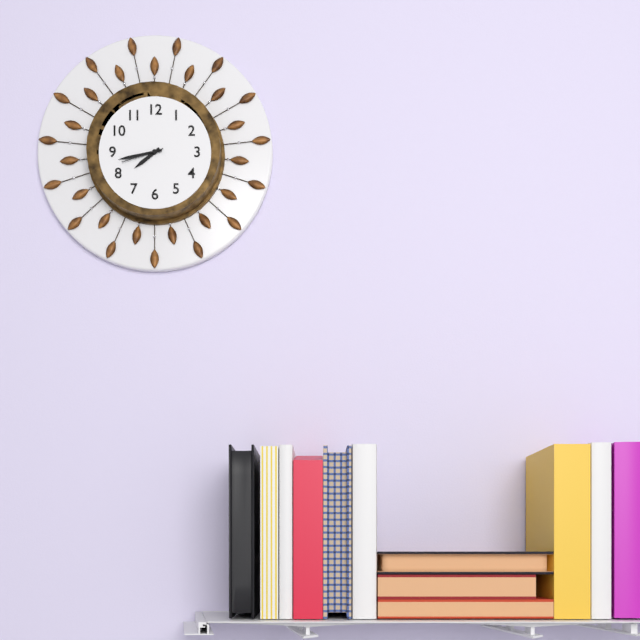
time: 7:43
